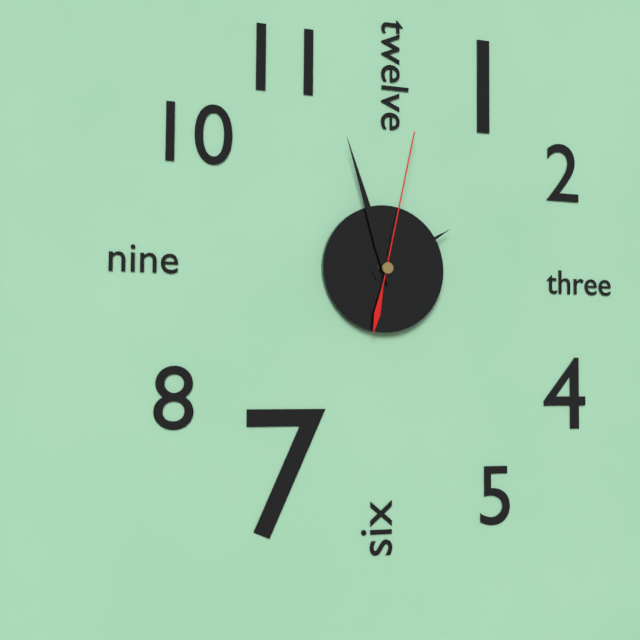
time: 1:57:02
